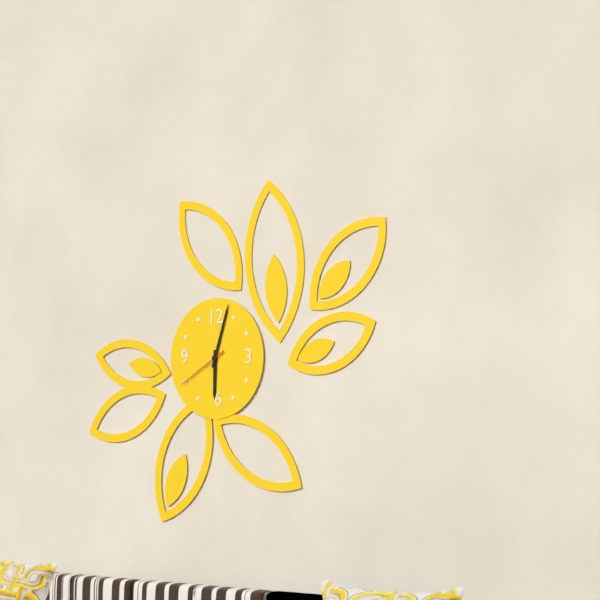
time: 6:03:40
